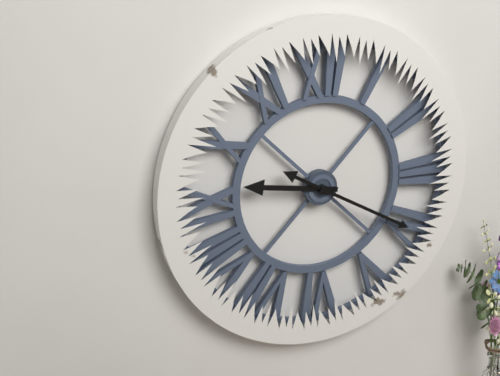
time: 9:20
